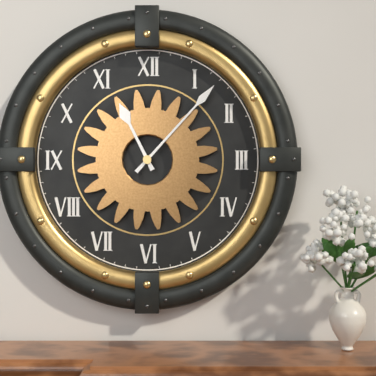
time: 11:07
